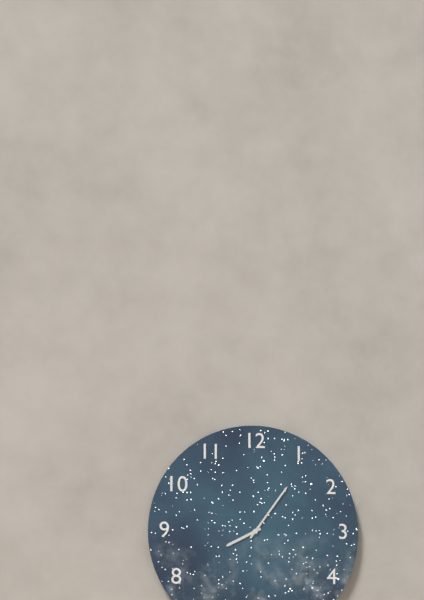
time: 8:06
